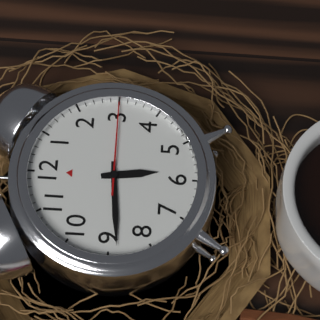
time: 5:44:15
